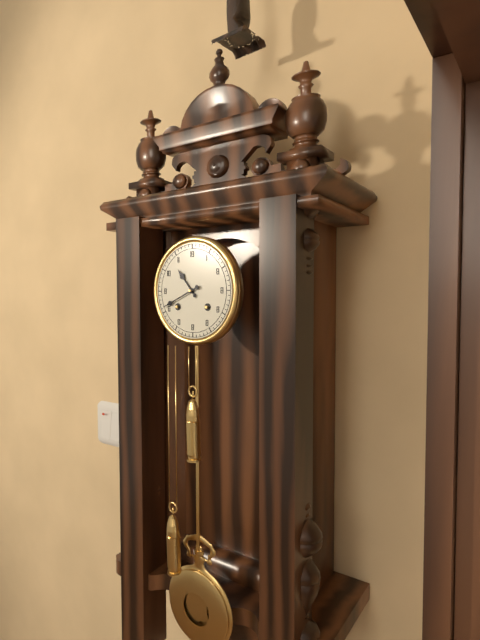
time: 10:41
